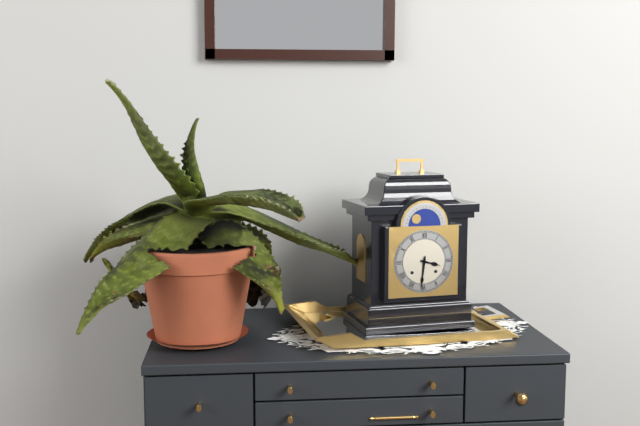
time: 3:31
